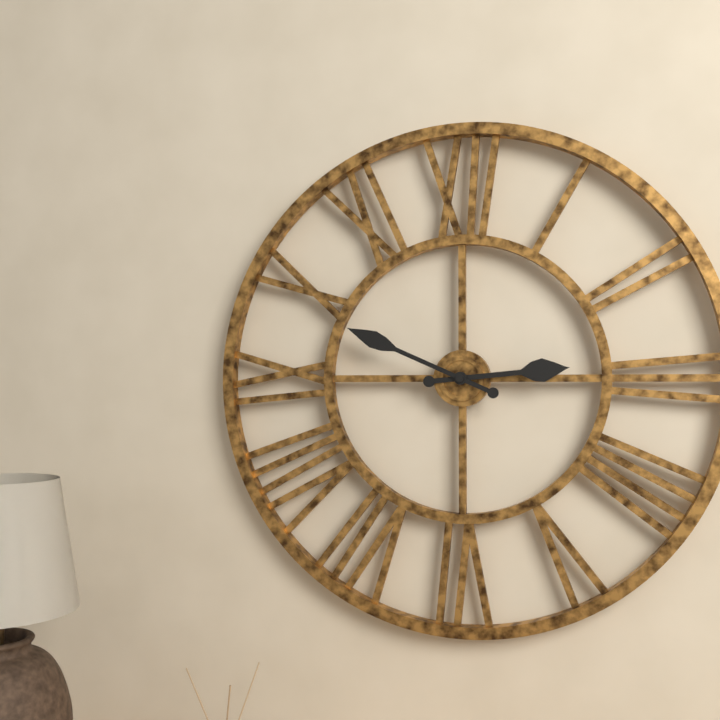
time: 2:49
